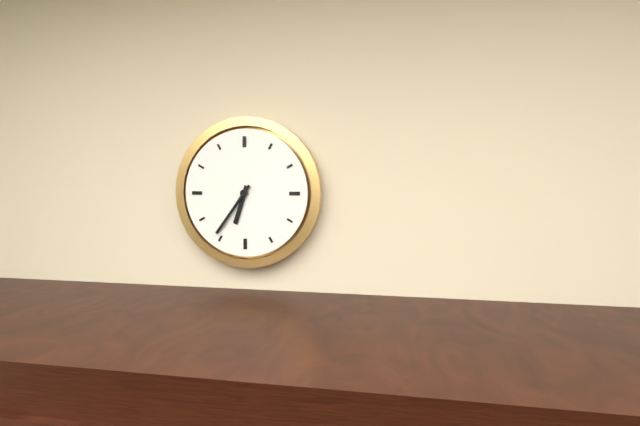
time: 6:36
